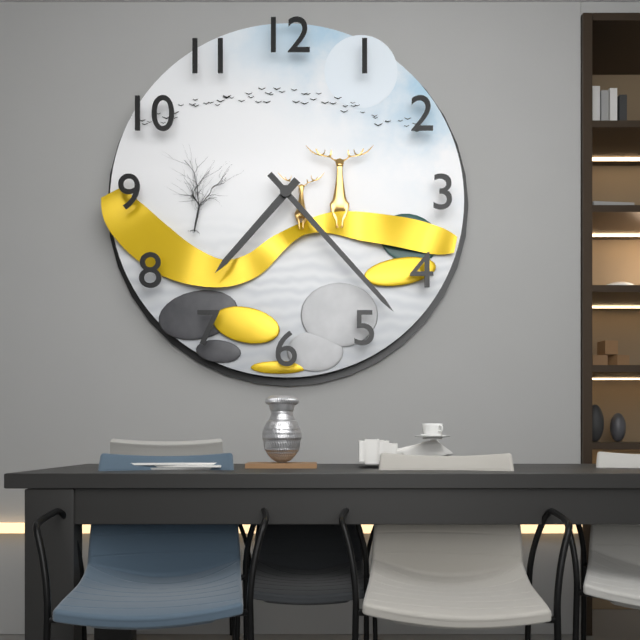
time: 7:23
